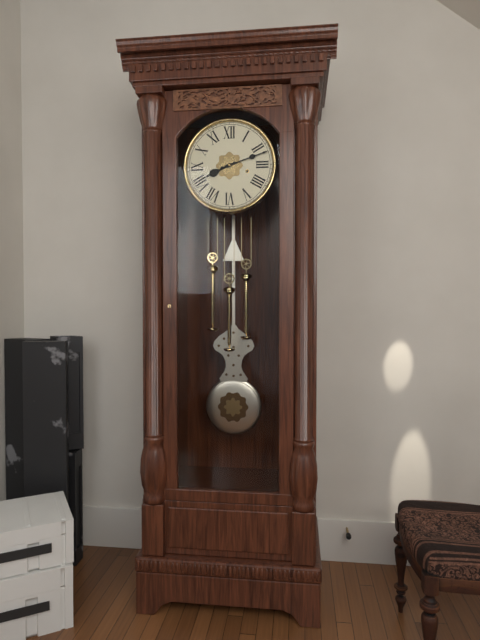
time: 8:12
